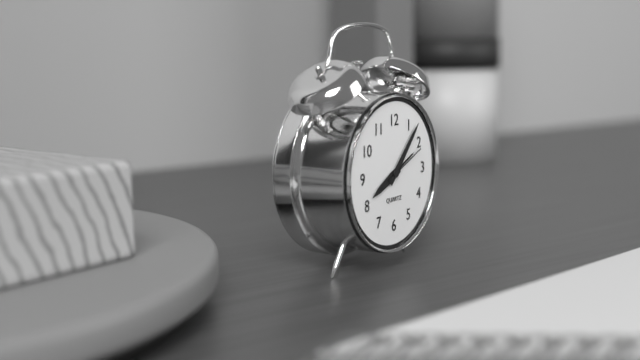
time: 8:07
